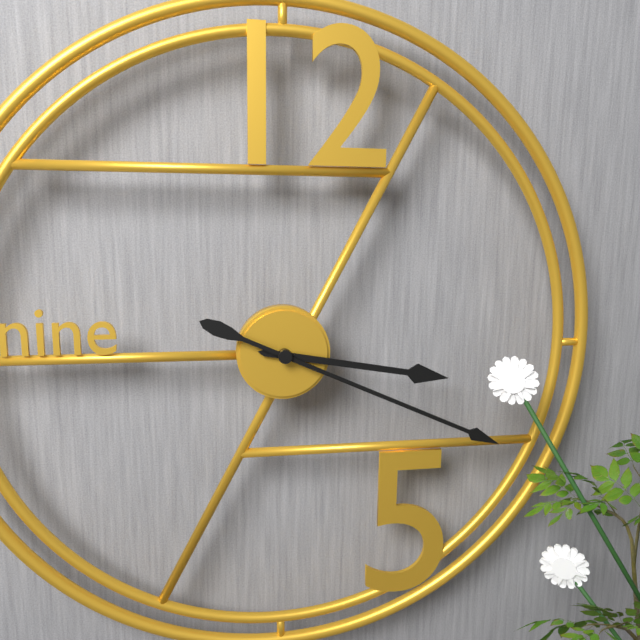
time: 3:19
